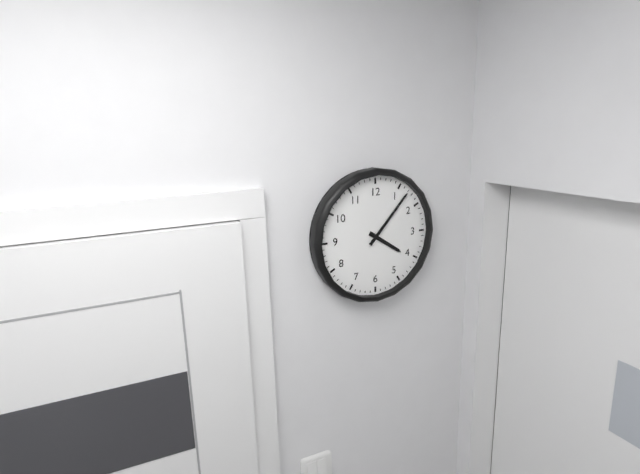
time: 4:07
